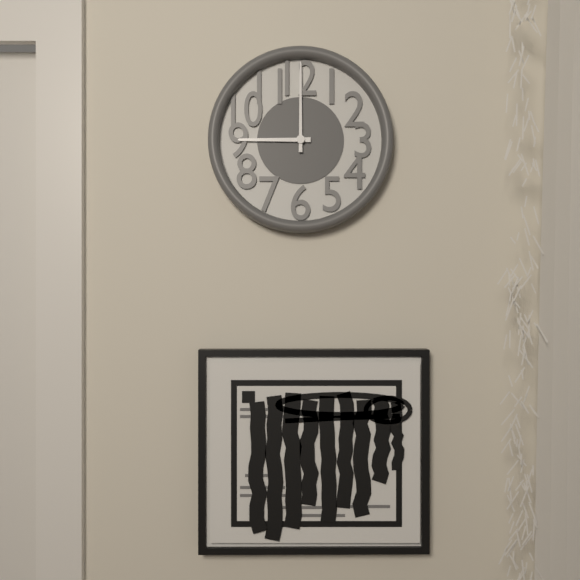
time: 9:00
